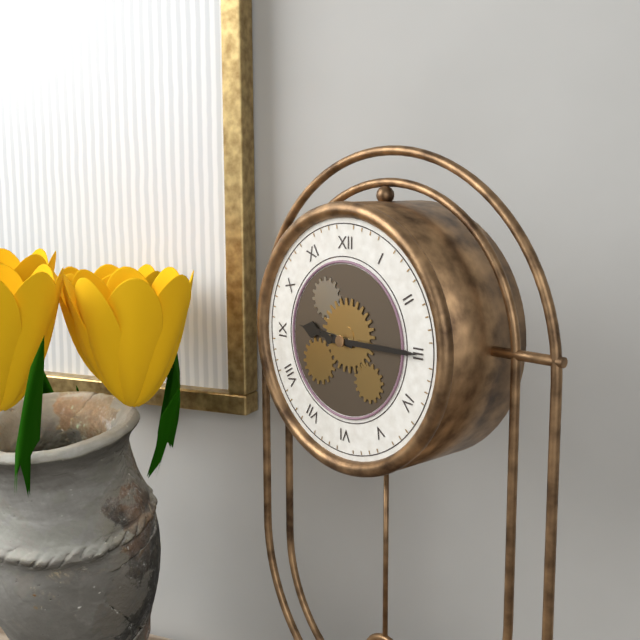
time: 9:15
